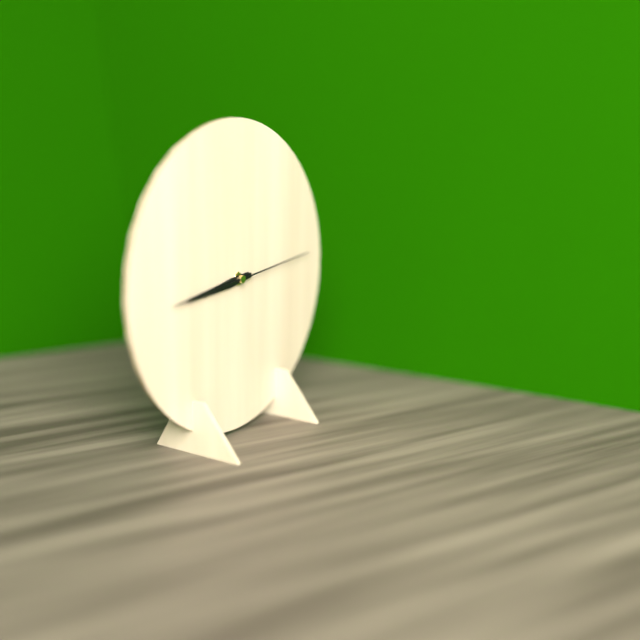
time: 8:44:14
